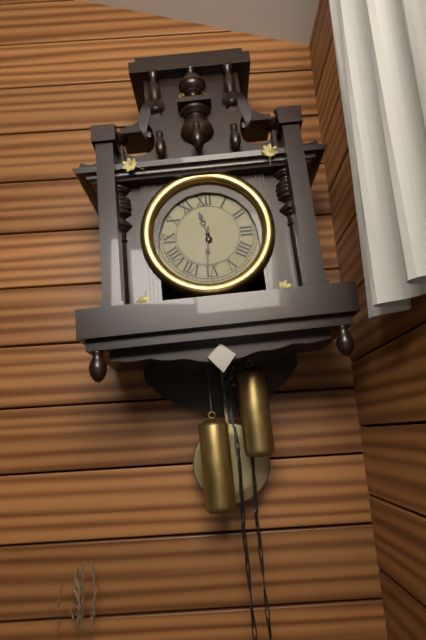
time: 11:31
